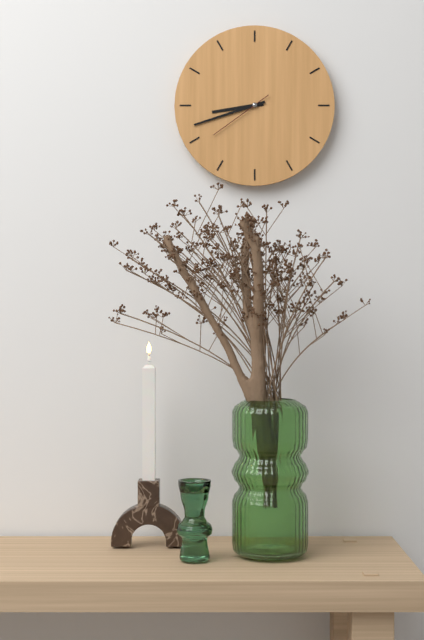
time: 8:42:39
